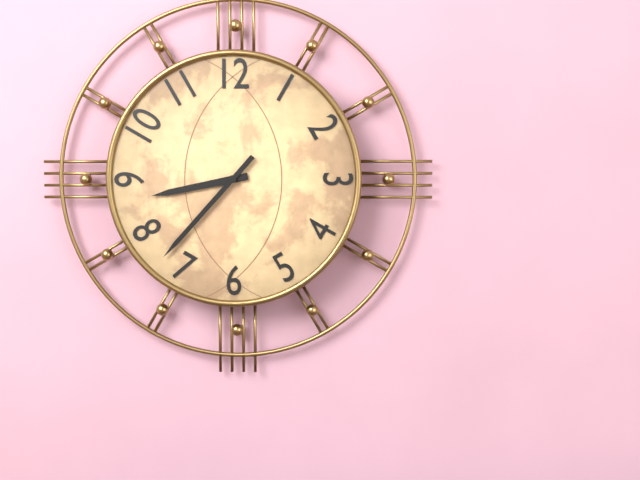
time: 8:37
